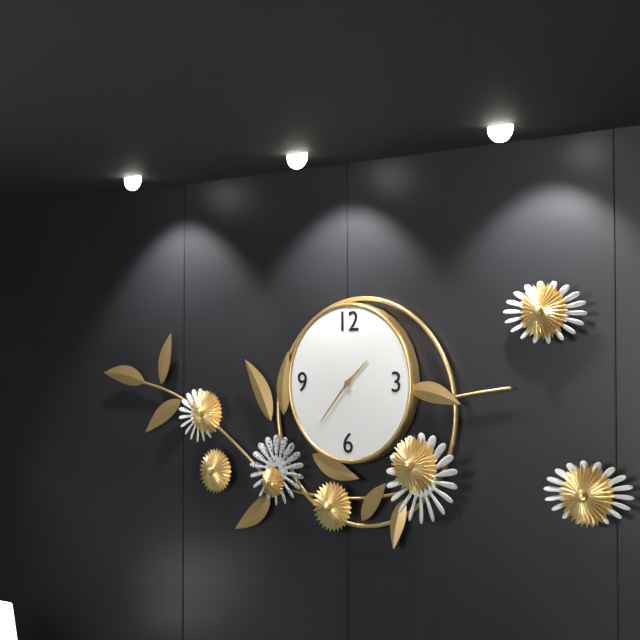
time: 1:37
